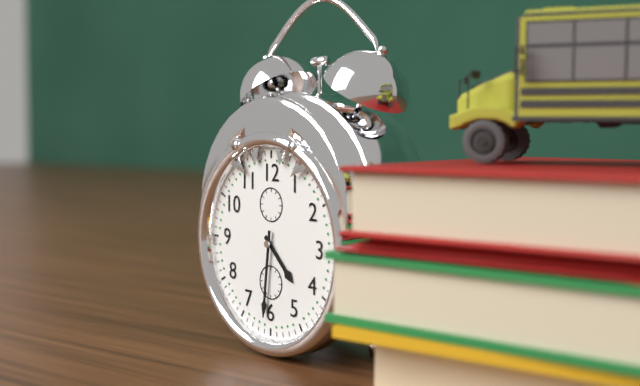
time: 4:31
